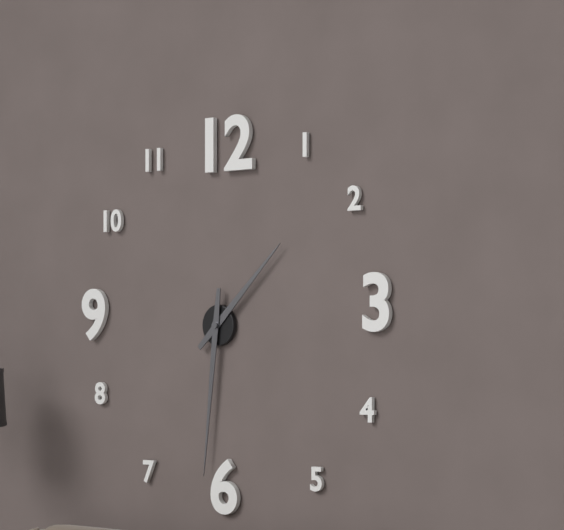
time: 1:31
